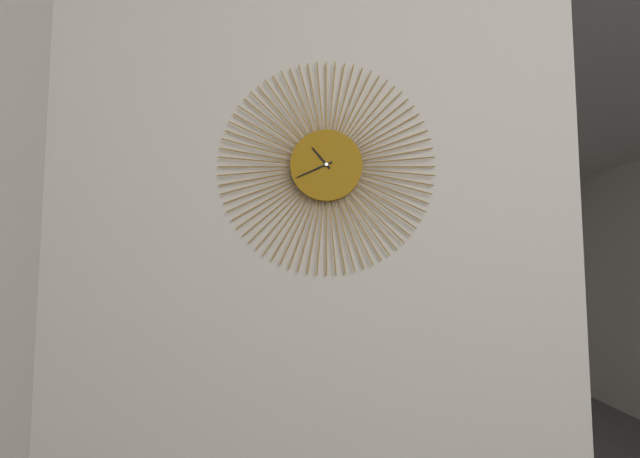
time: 10:41
